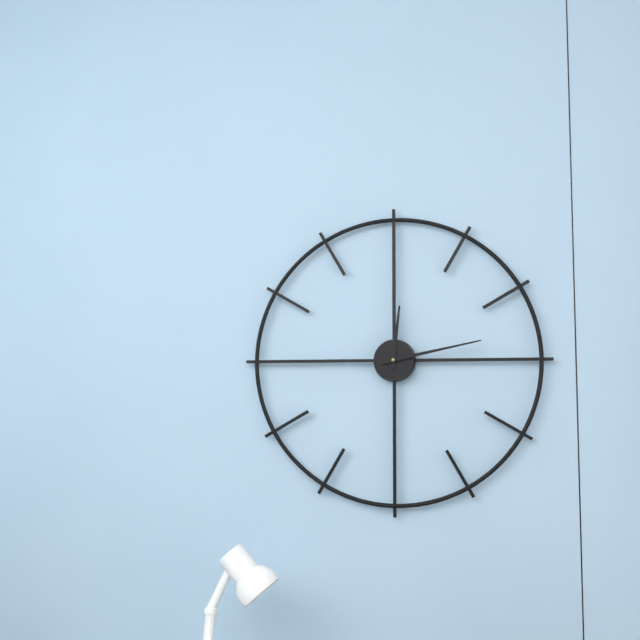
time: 12:13
